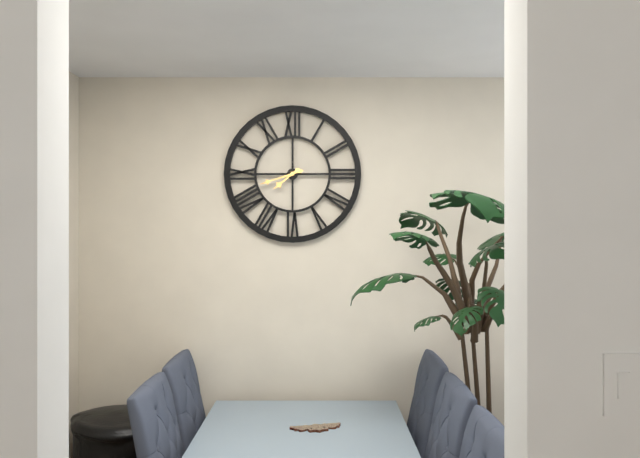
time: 7:42
